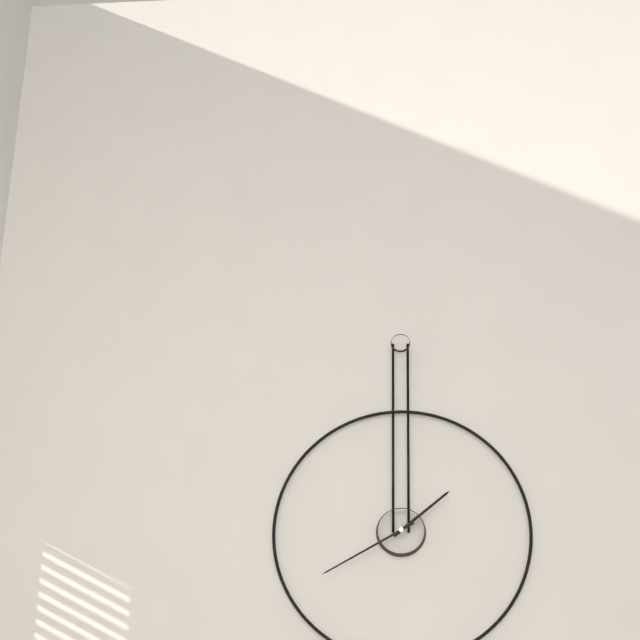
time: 1:40
